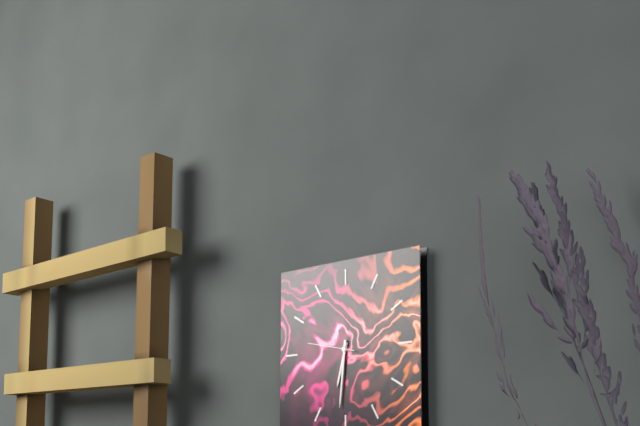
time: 6:31:47
